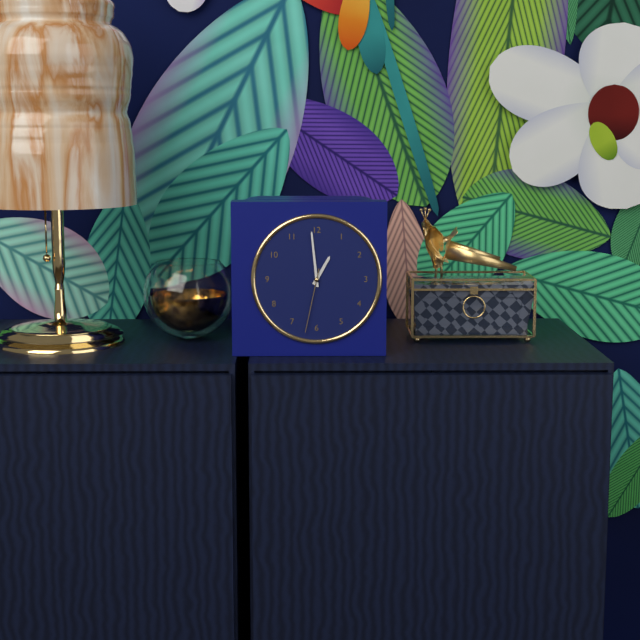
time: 12:59:32
